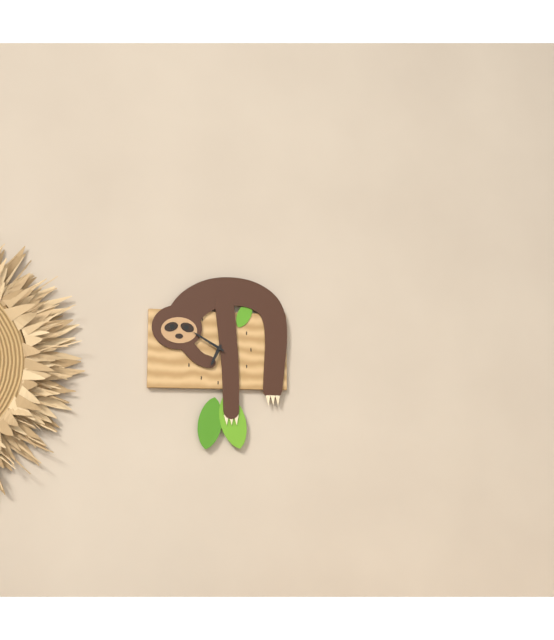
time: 6:50
